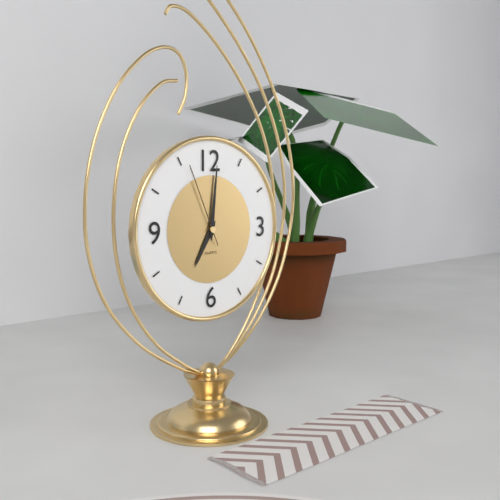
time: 7:01:56
